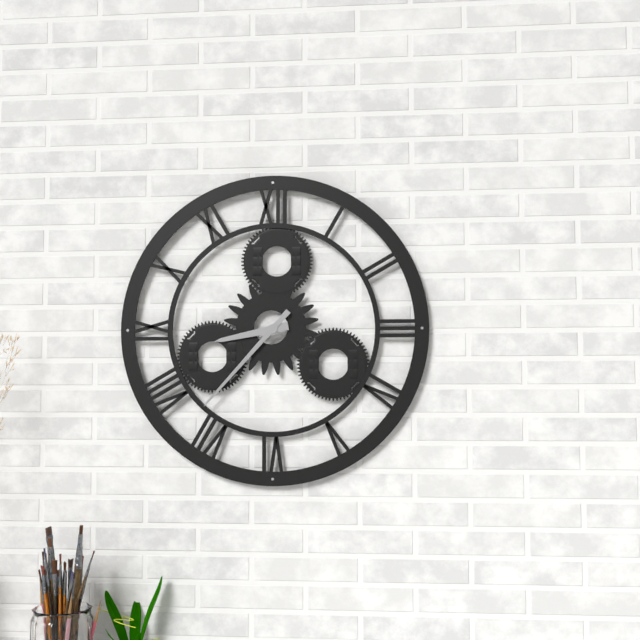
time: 8:37
